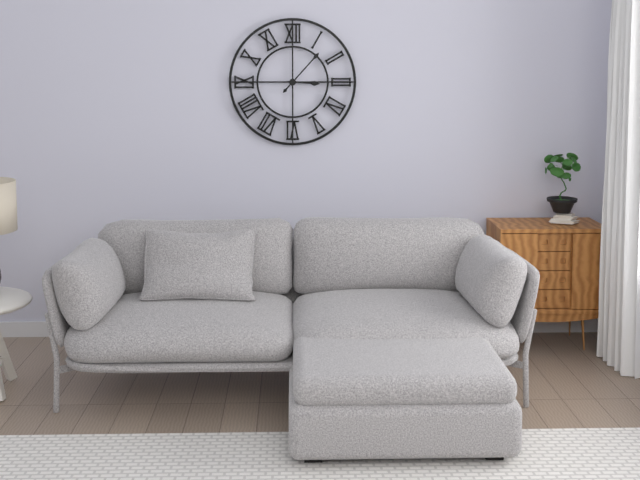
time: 3:07
